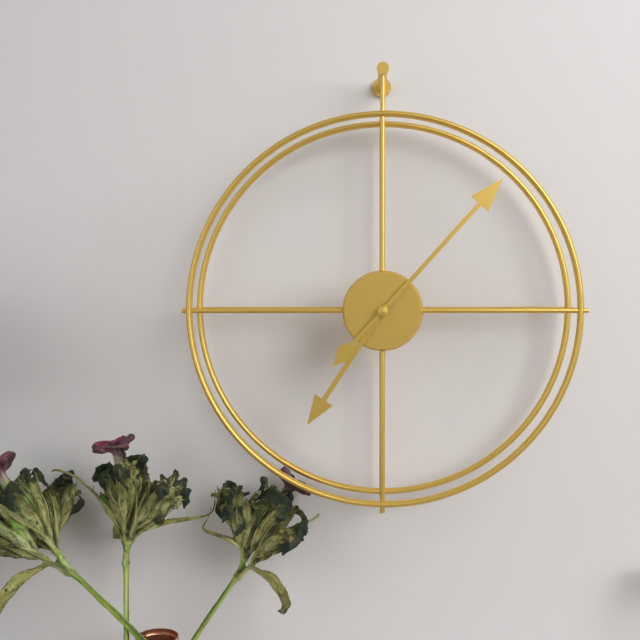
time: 7:07
